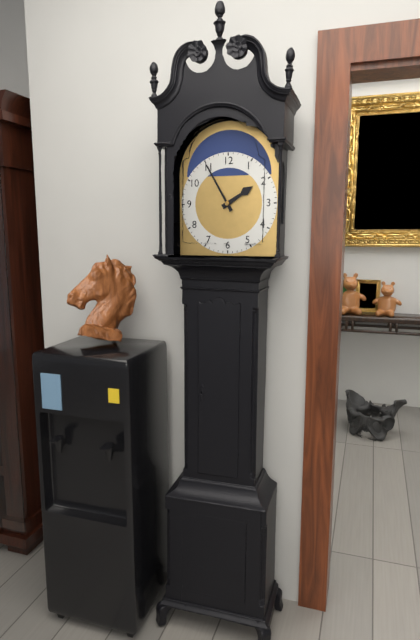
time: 1:55
